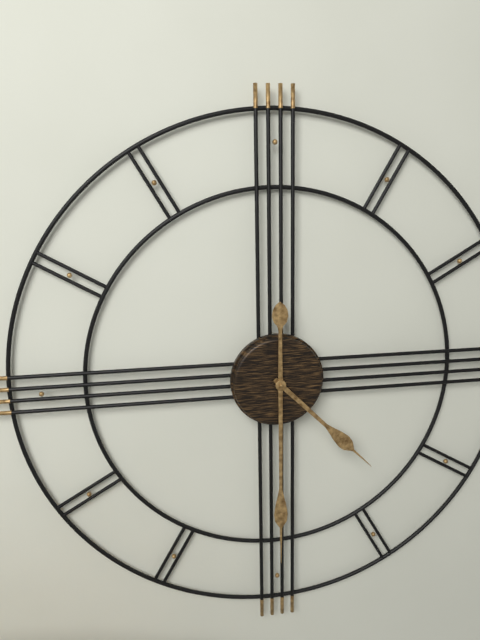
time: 4:30
